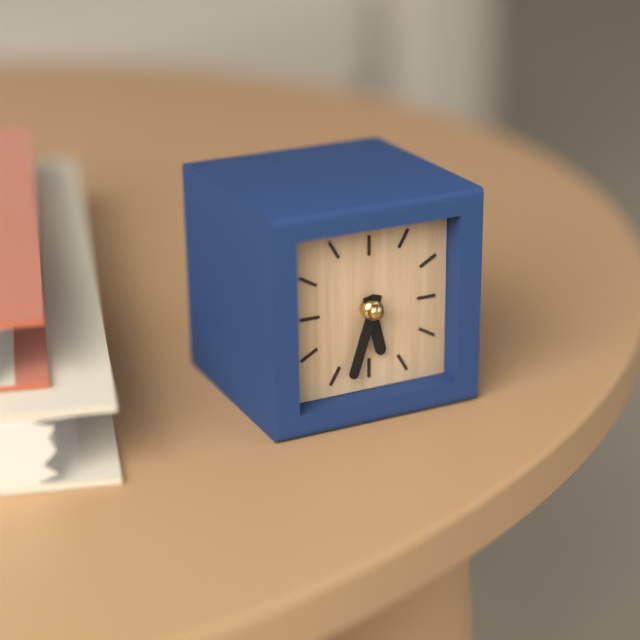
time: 5:33
